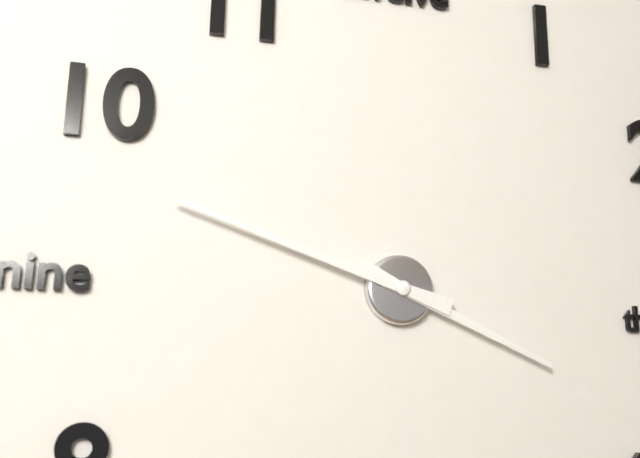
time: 3:48
